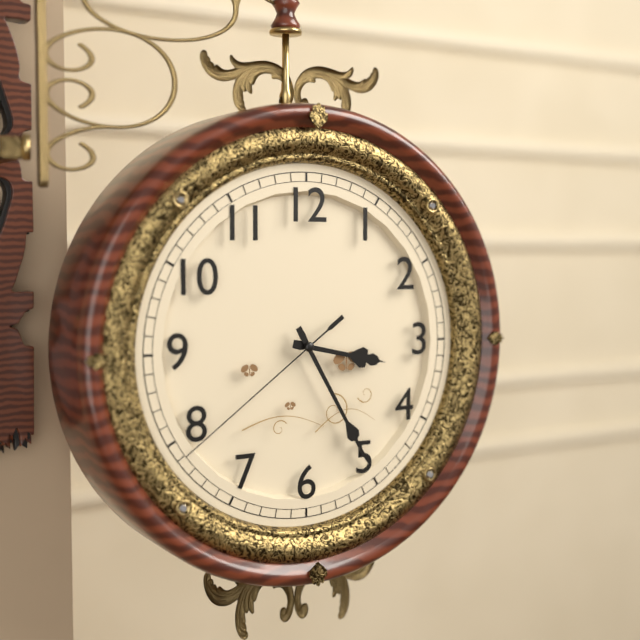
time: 3:25:39
